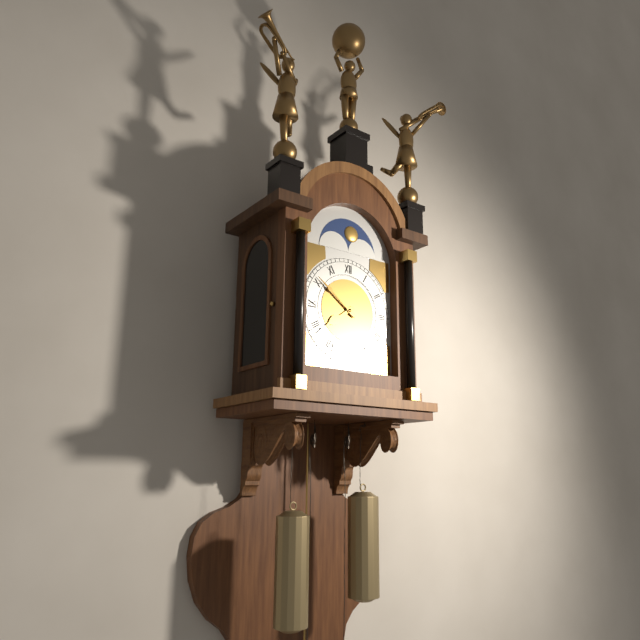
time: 7:51
